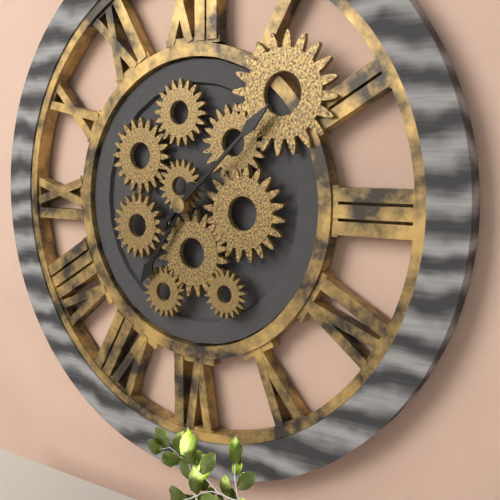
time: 7:08
